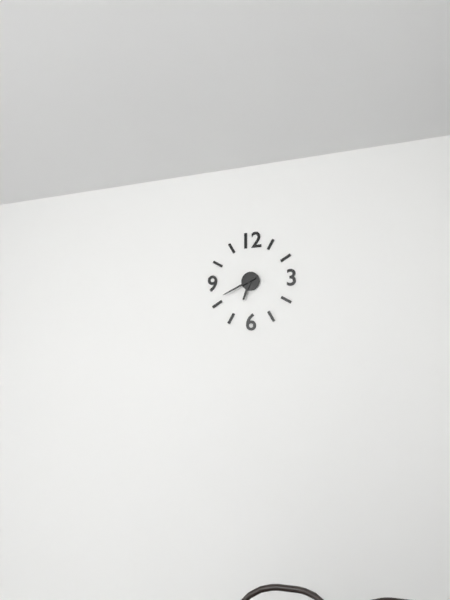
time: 6:41
